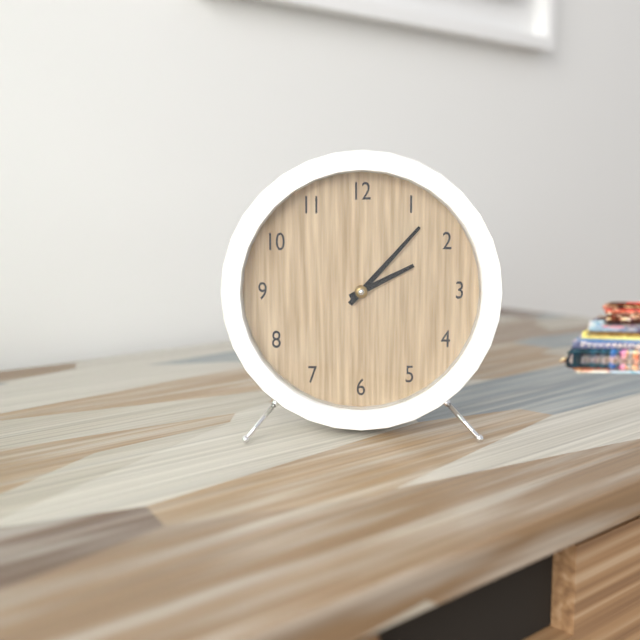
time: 2:07
